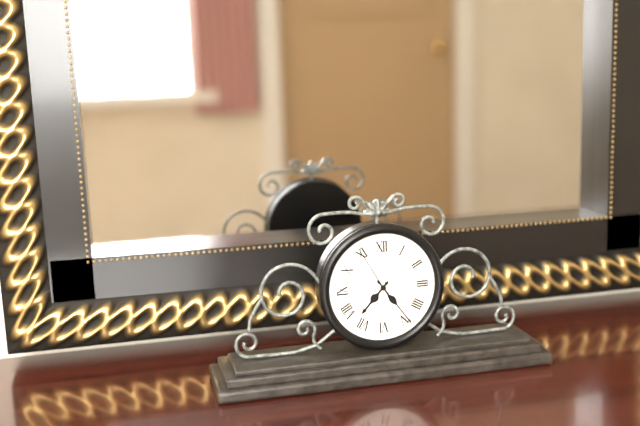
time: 7:24:55
